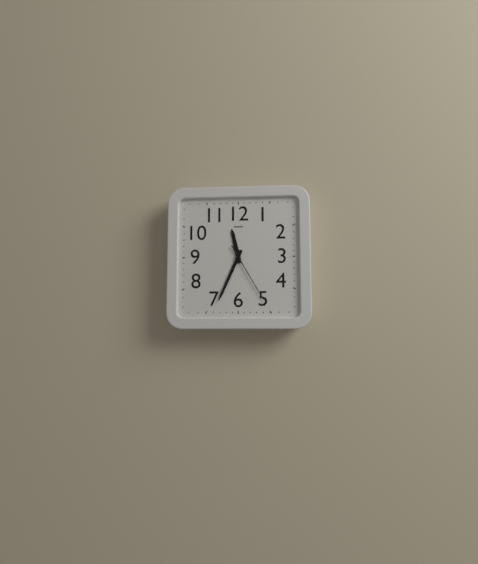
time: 11:34:25
